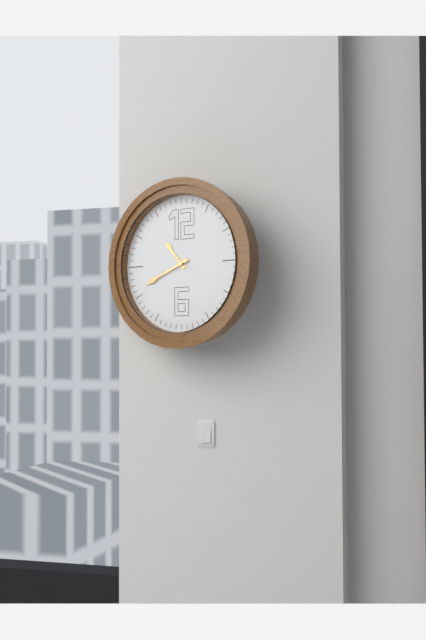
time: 10:41
